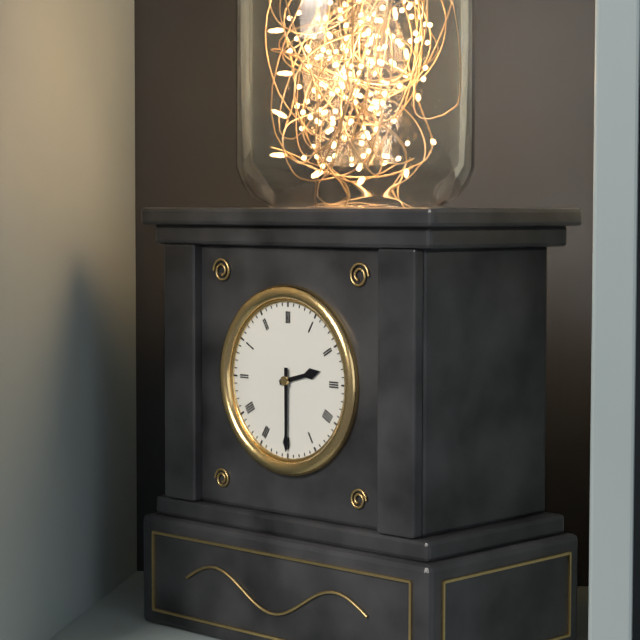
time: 2:30
